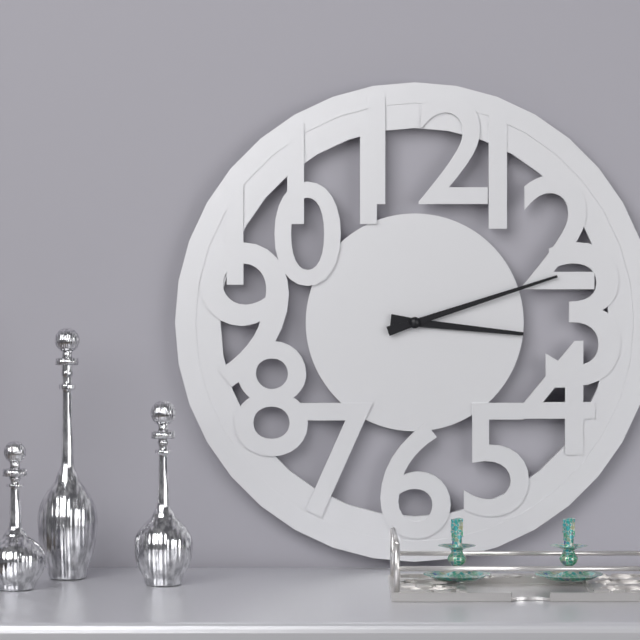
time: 3:12
